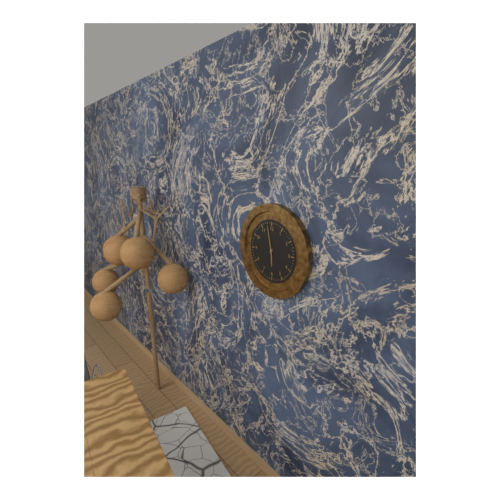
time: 5:58
